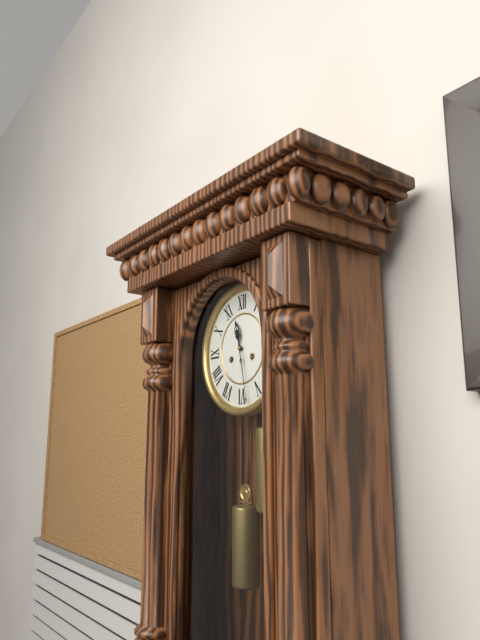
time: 11:28
